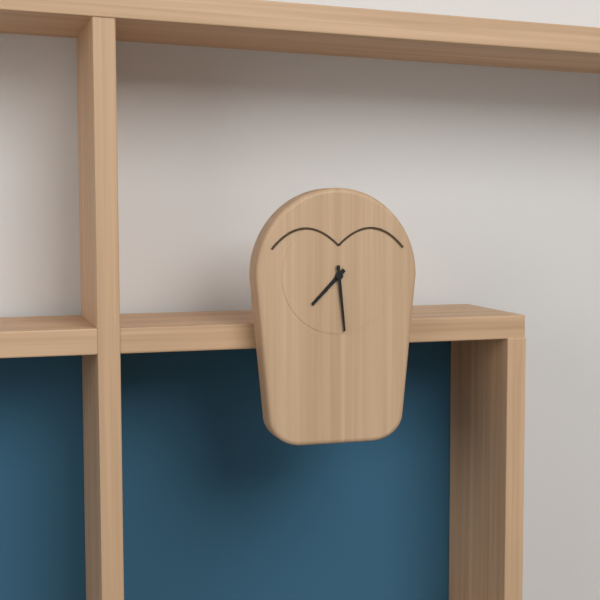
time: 7:29
